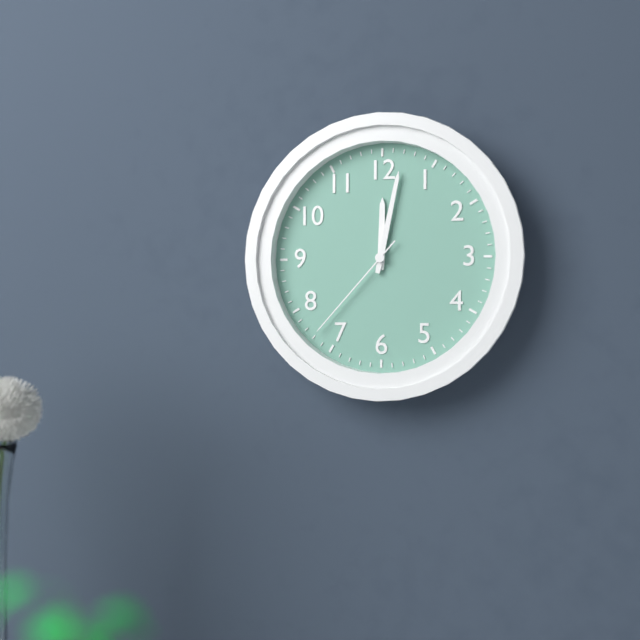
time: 12:02:37
